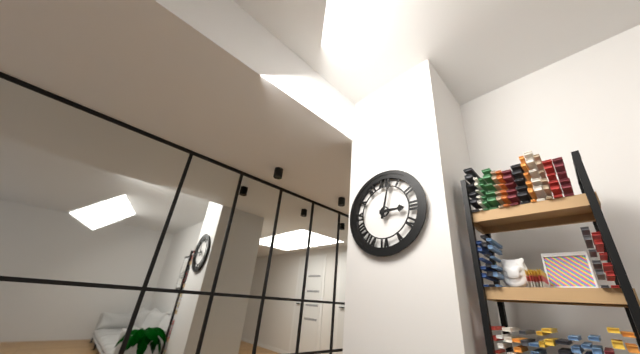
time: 3:02
